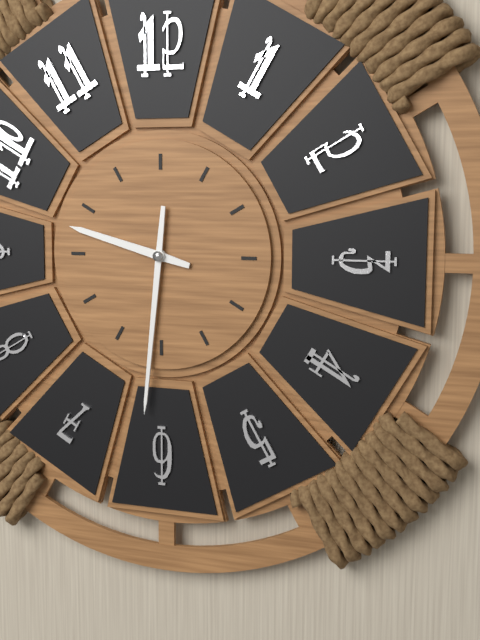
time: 9:31
